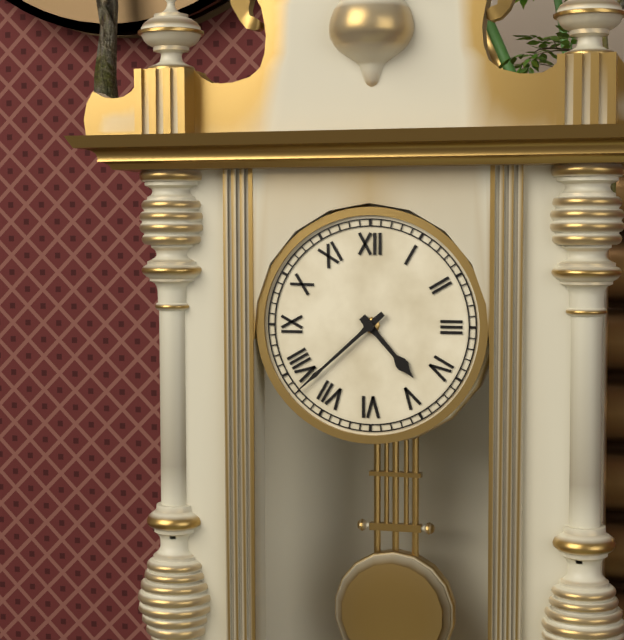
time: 4:38
